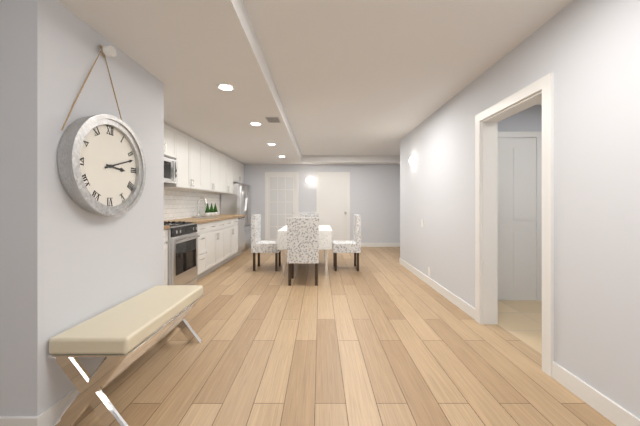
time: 3:12
